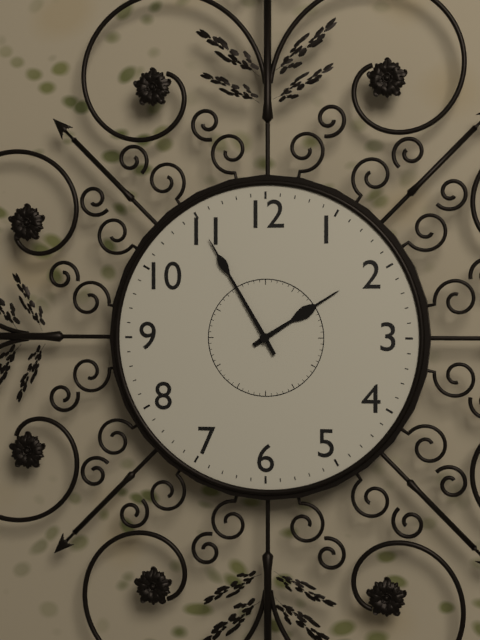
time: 1:55
